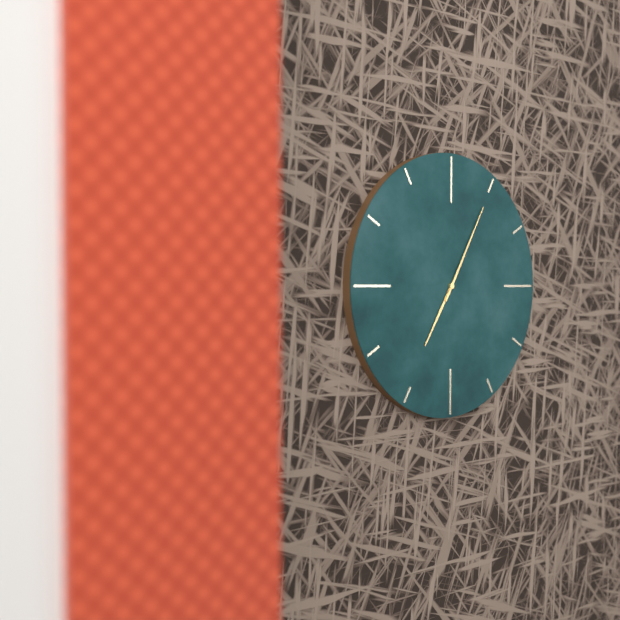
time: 7:05
